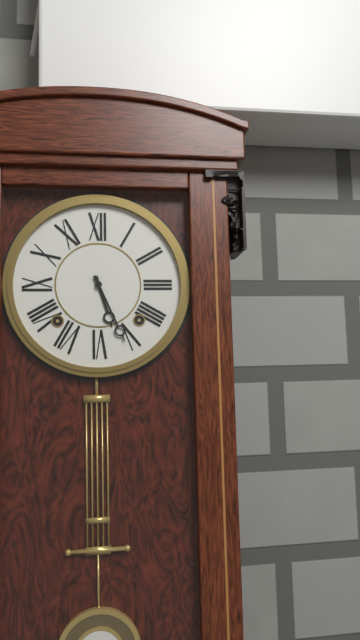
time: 5:26
